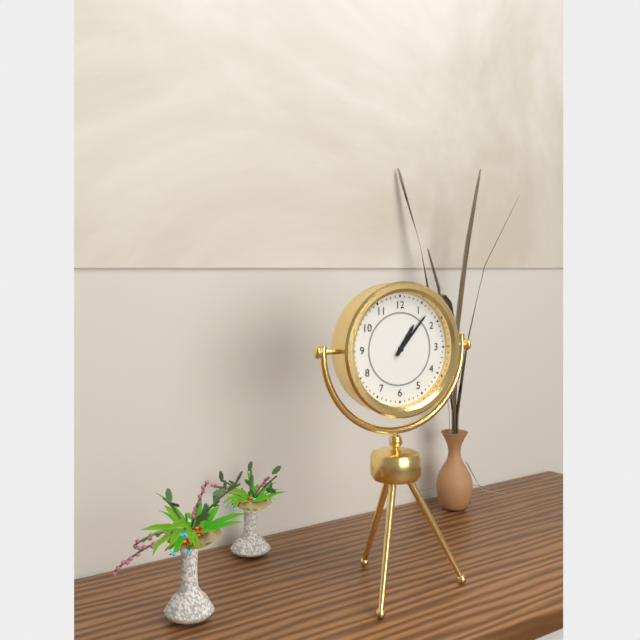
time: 1:07
